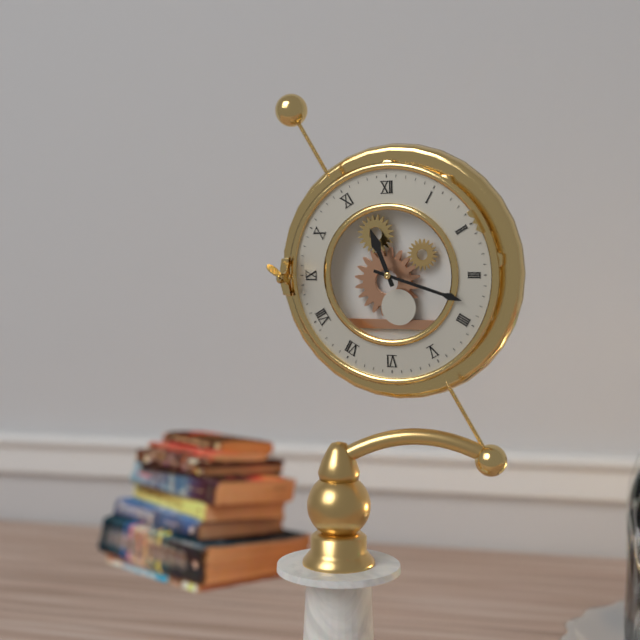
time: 11:18
